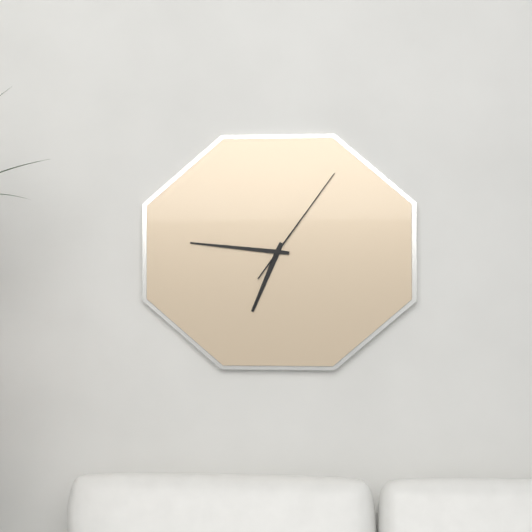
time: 6:46:06
